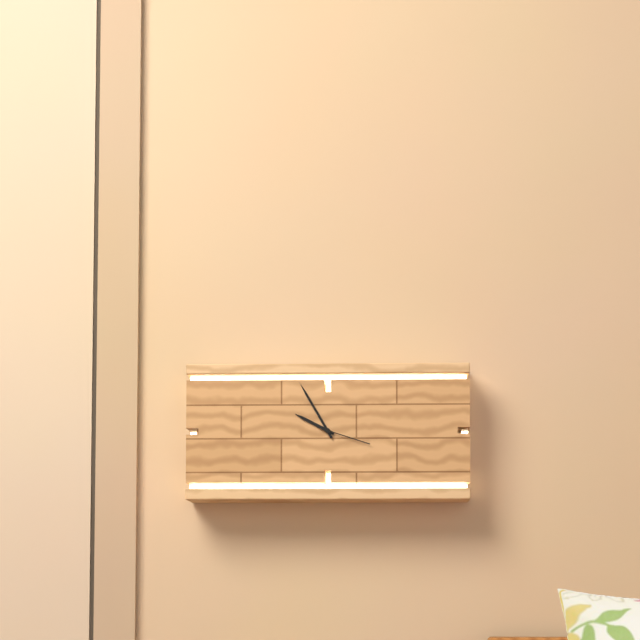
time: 9:55:18
